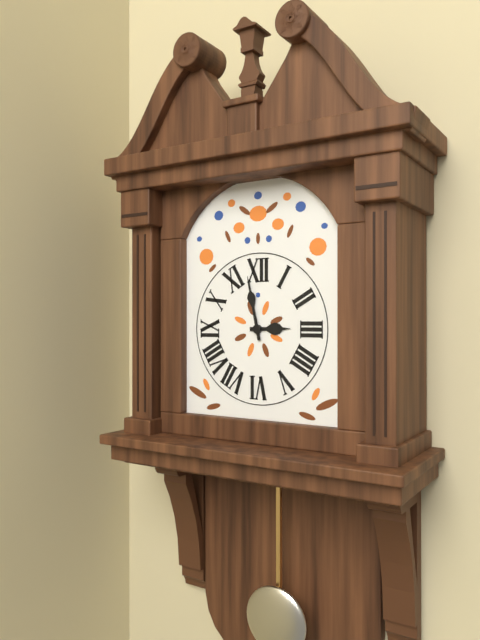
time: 2:58
